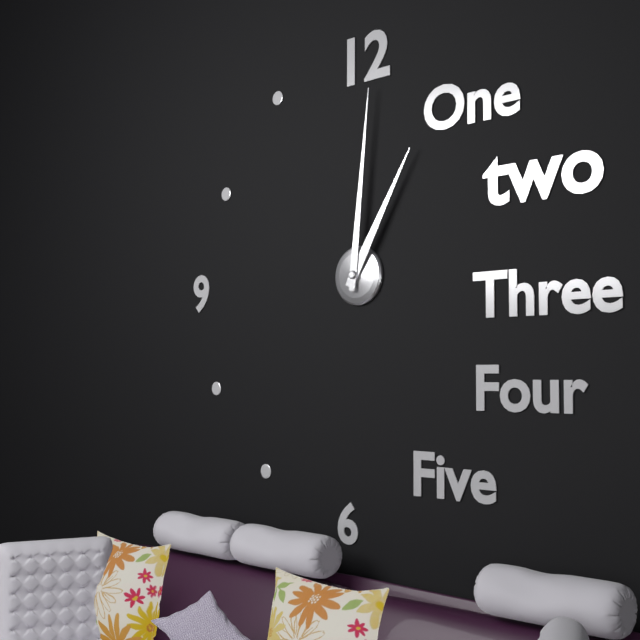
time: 1:01
